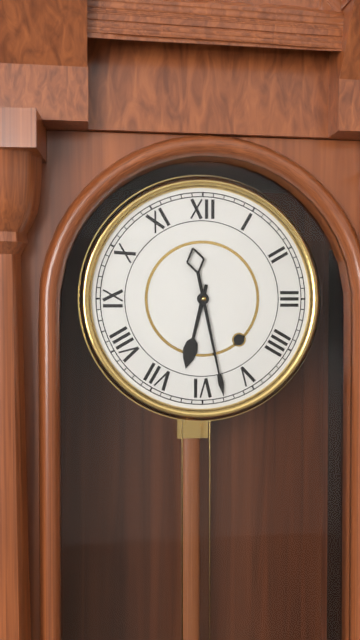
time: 6:28
